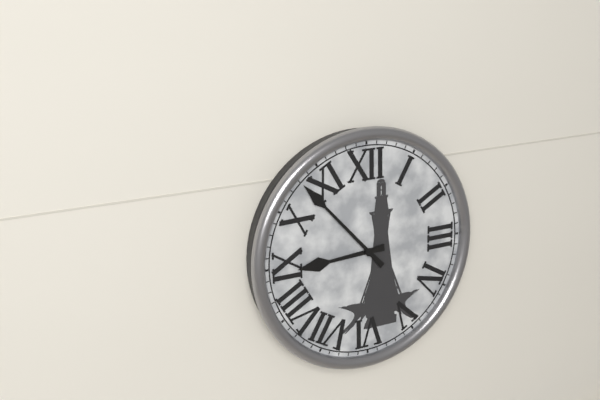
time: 8:53
